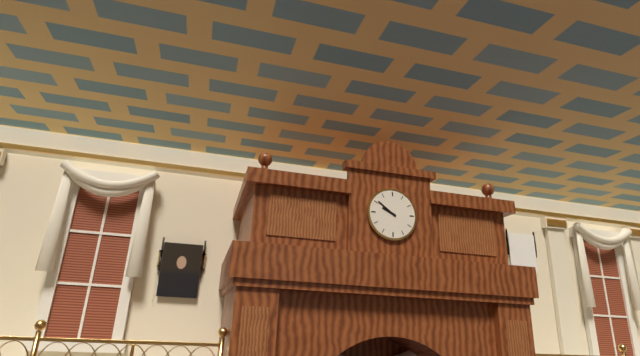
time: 9:51
